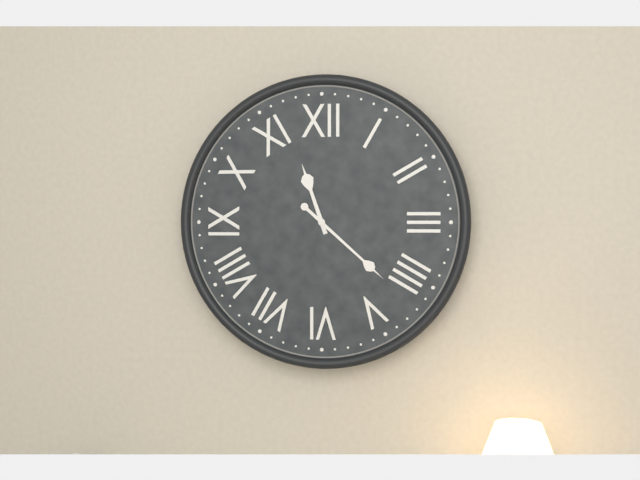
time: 11:22
